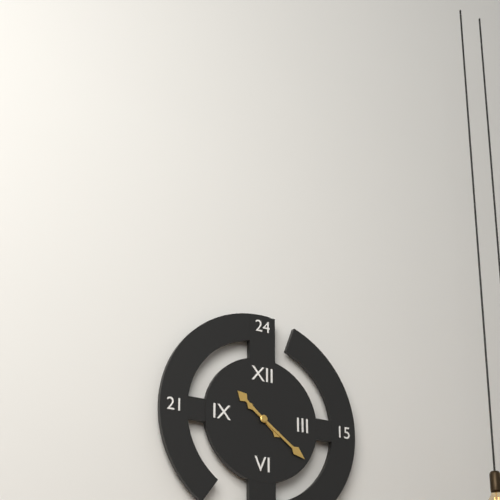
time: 10:21
